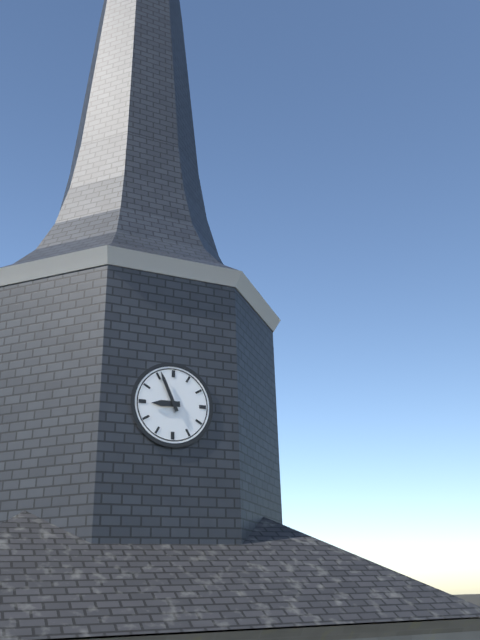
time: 8:56
